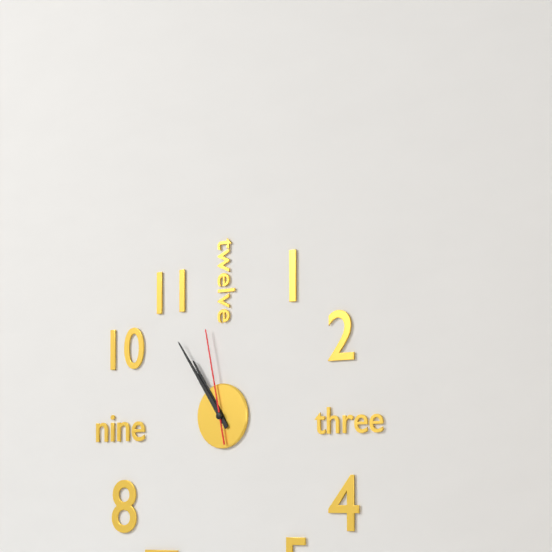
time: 10:54:58
